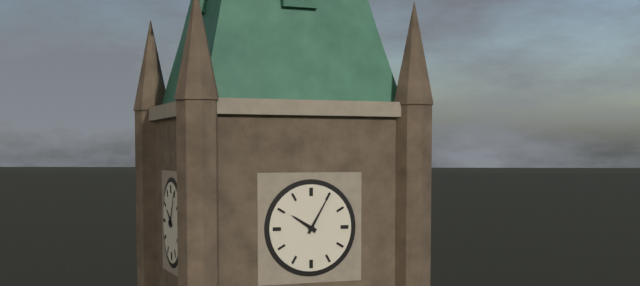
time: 10:05
